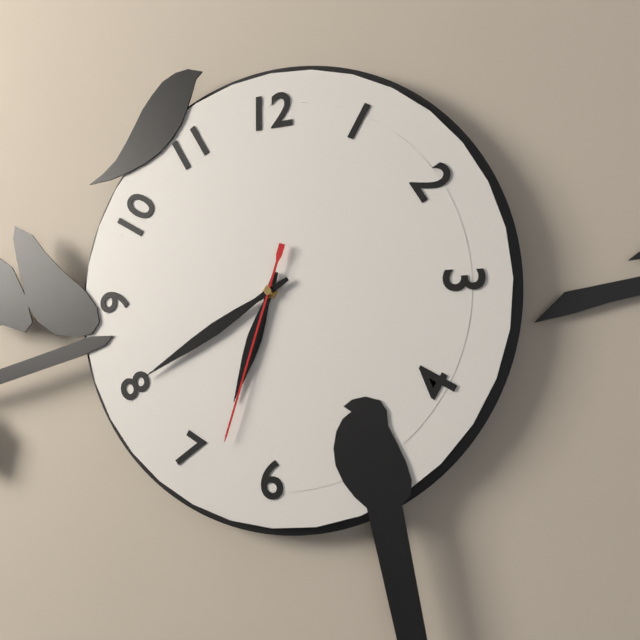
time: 6:40:33
